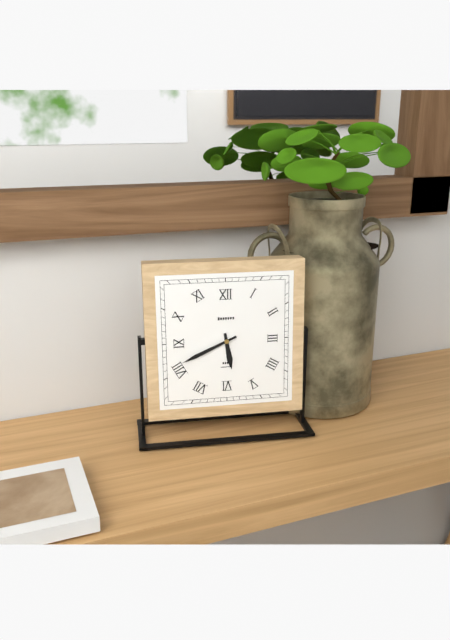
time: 5:41
